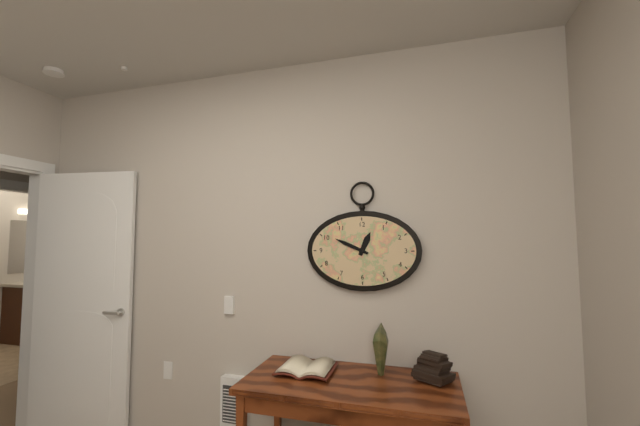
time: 12:49
